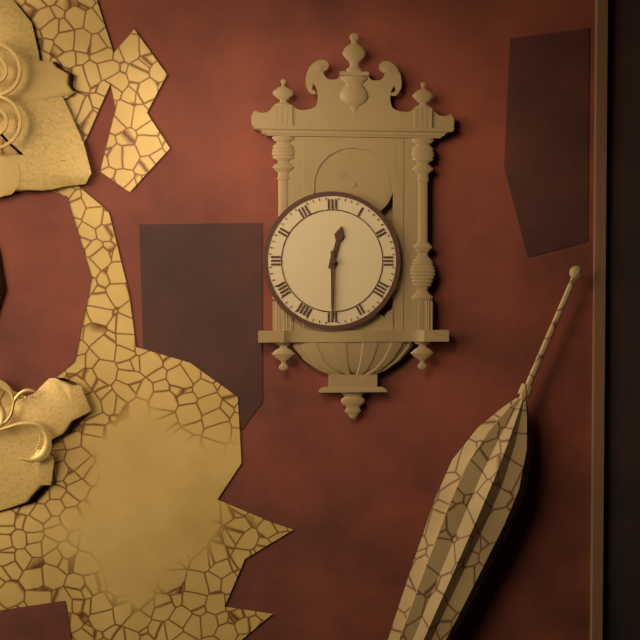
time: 12:30
